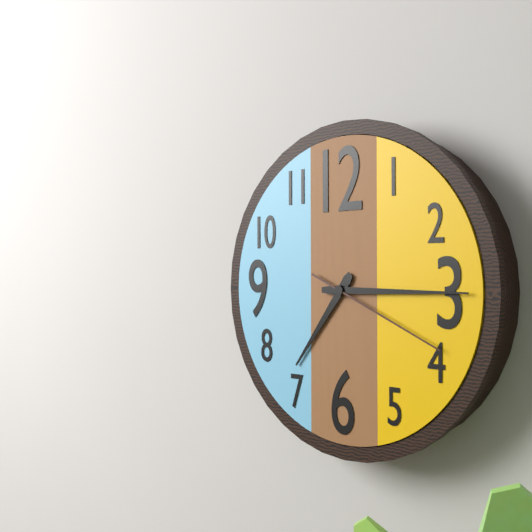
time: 7:15:19
